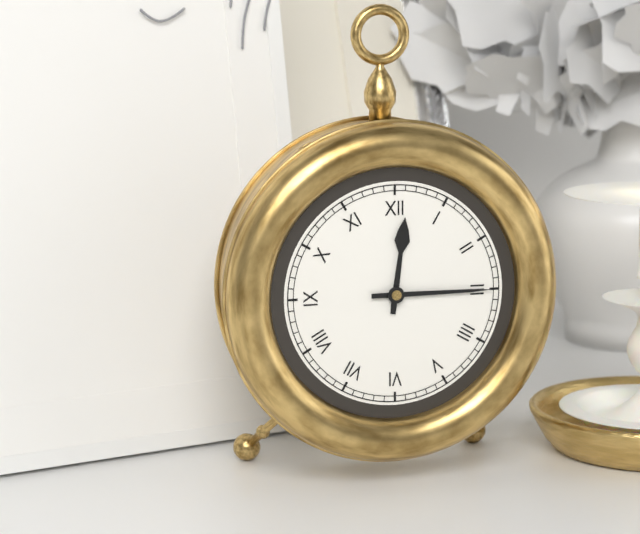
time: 12:15
